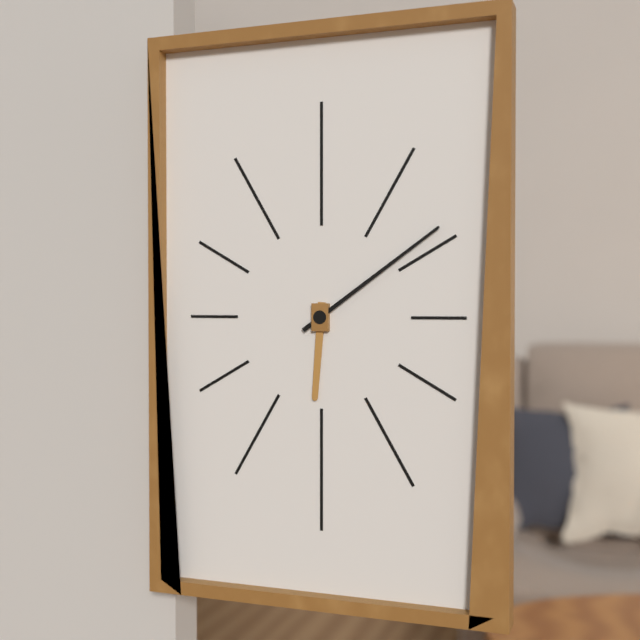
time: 6:09
